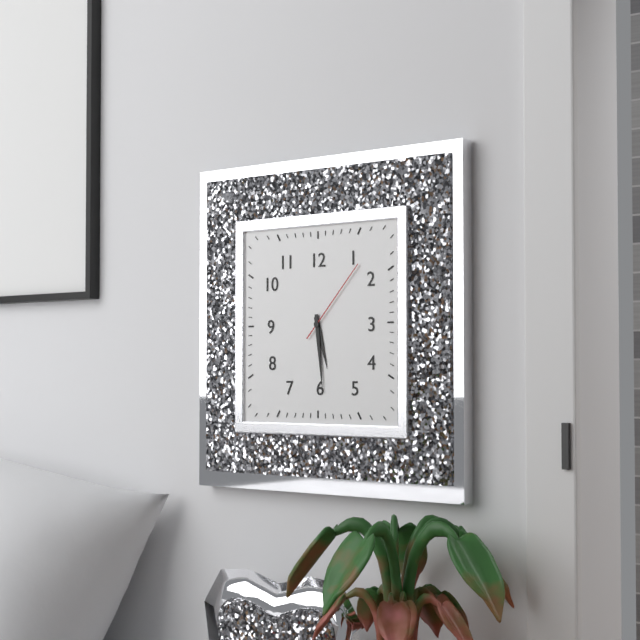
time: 5:29:07
